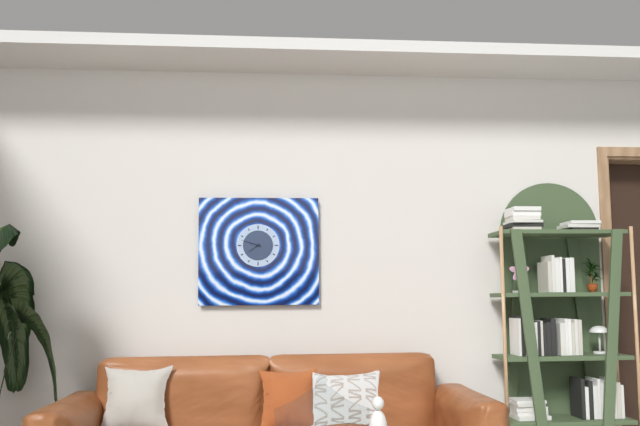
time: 7:48
